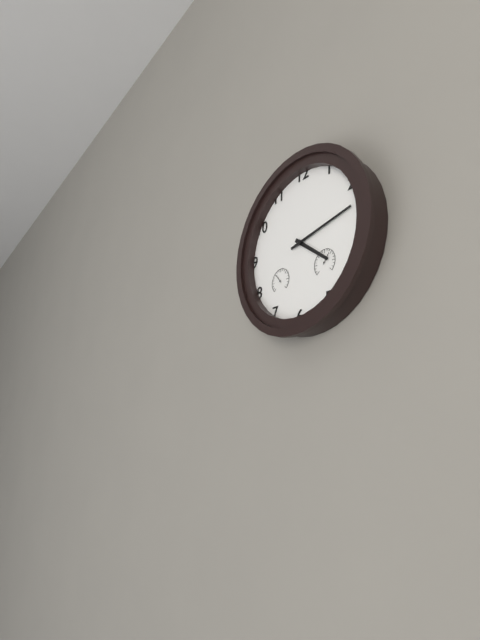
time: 4:13
